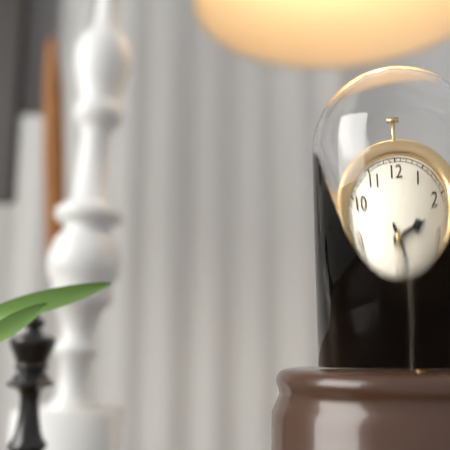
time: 2:24
